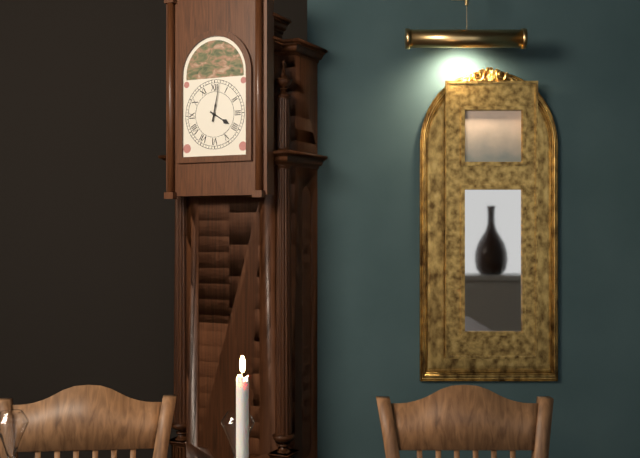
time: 4:02
